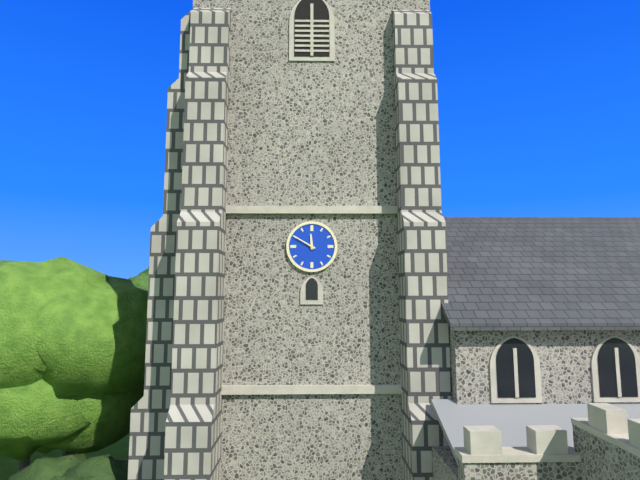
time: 11:50
